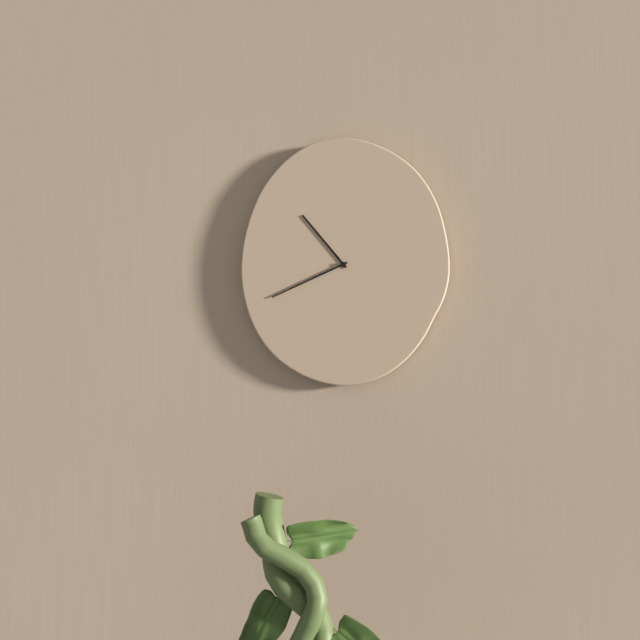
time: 10:41
